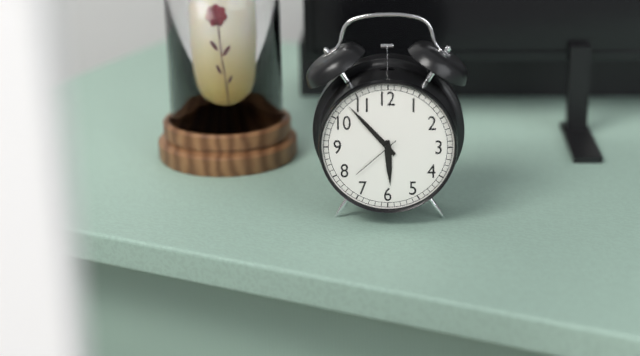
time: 5:53:38
